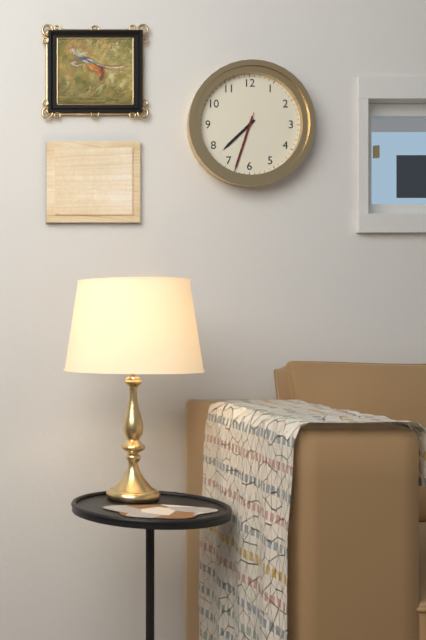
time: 7:33:33
